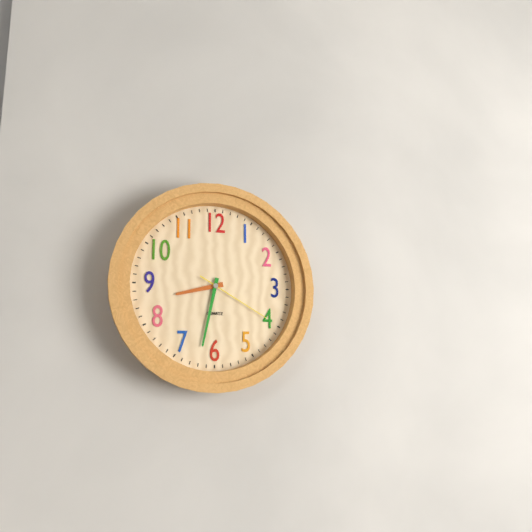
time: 8:32:20
